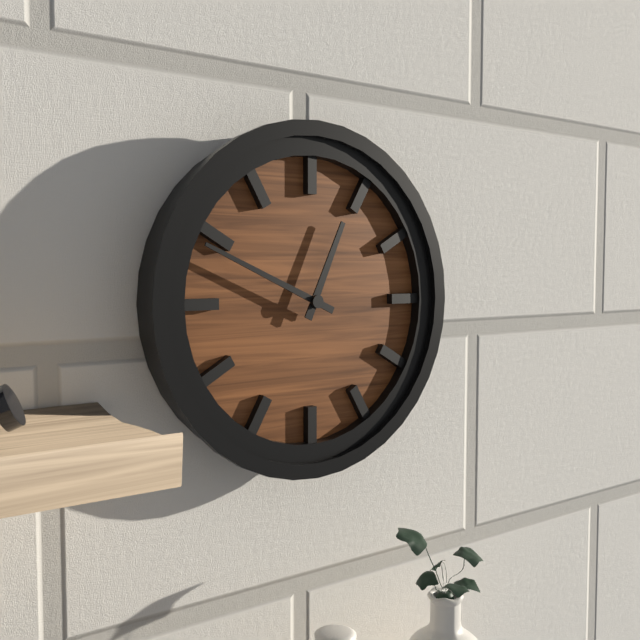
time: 12:49
